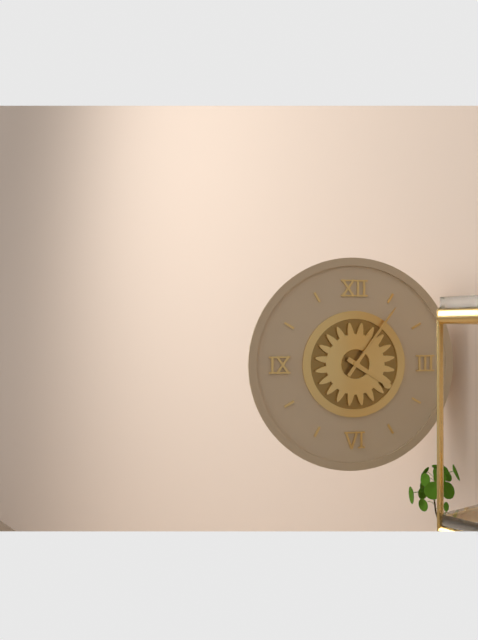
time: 4:06
